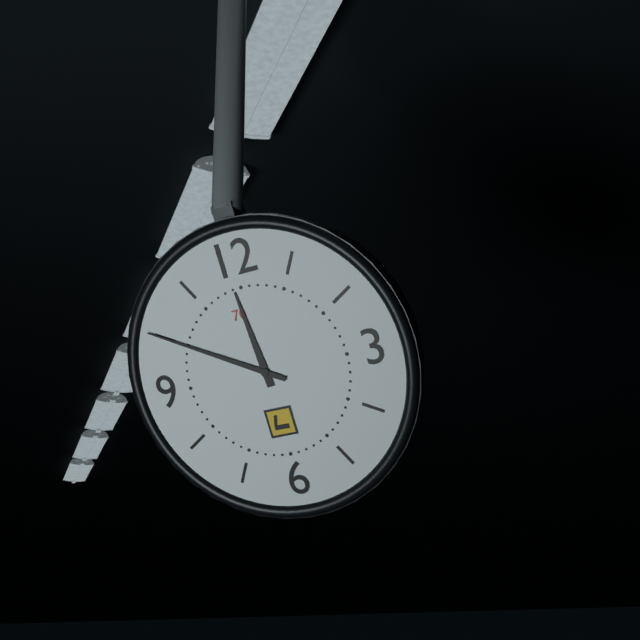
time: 11:50
